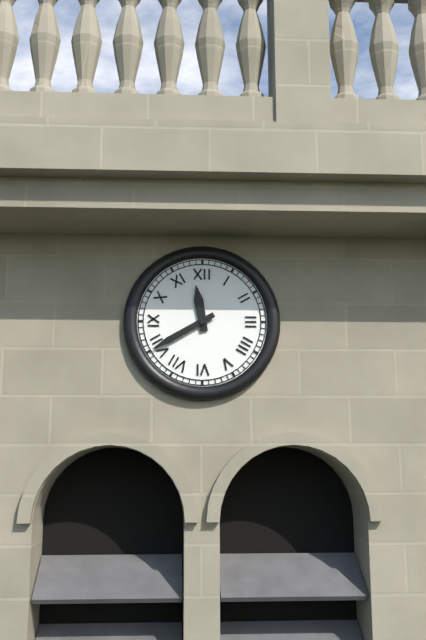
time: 11:40
